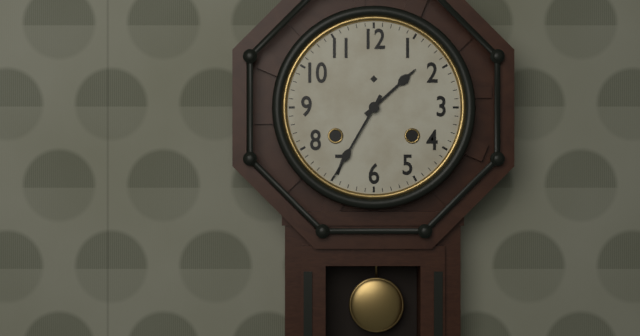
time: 1:35
